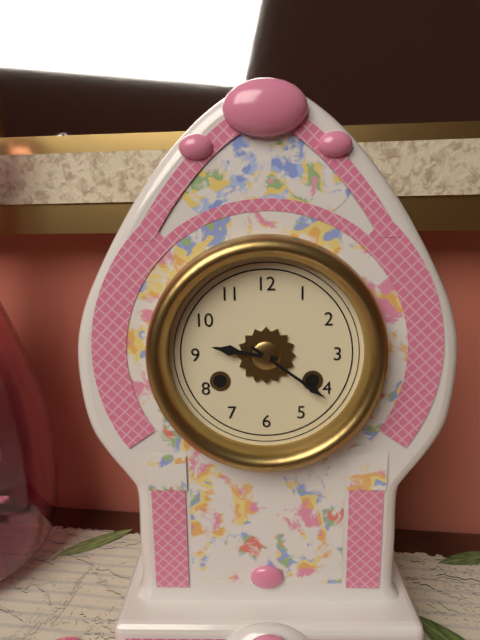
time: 9:21
